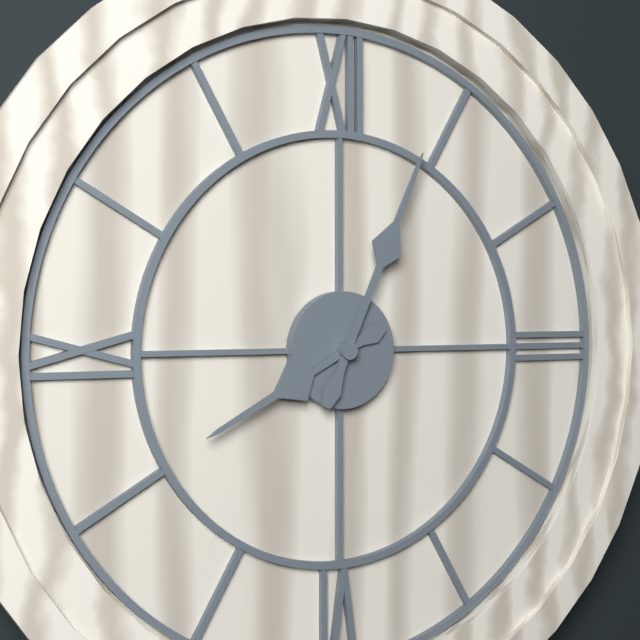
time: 8:04
